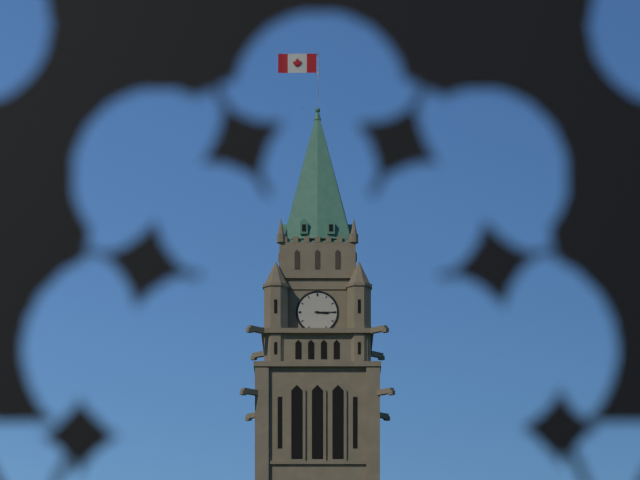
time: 3:15
